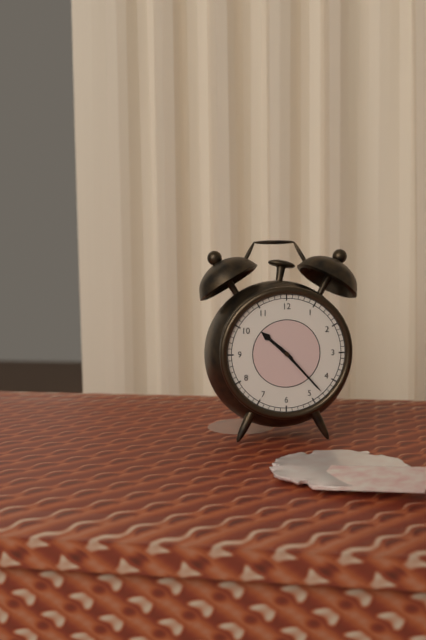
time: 10:23
